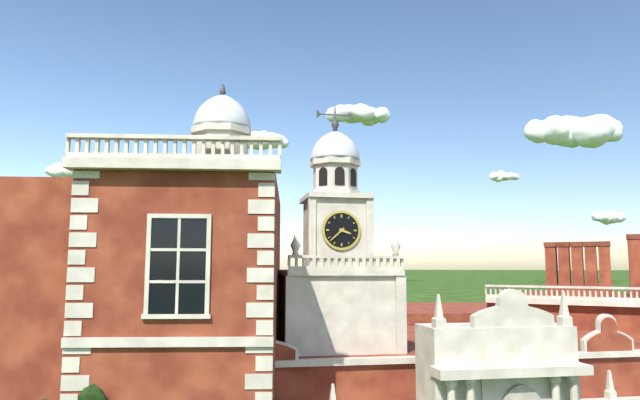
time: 3:38
